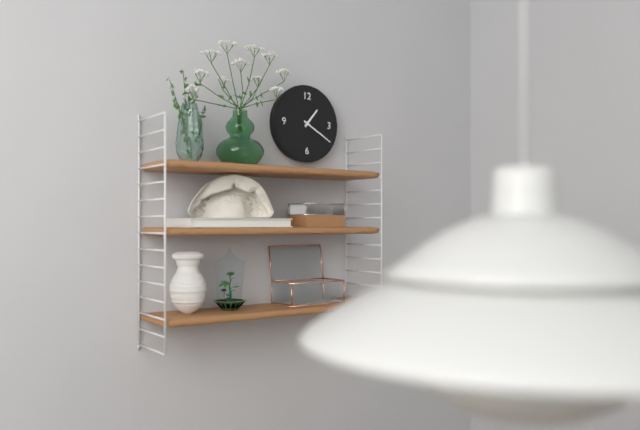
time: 1:20
